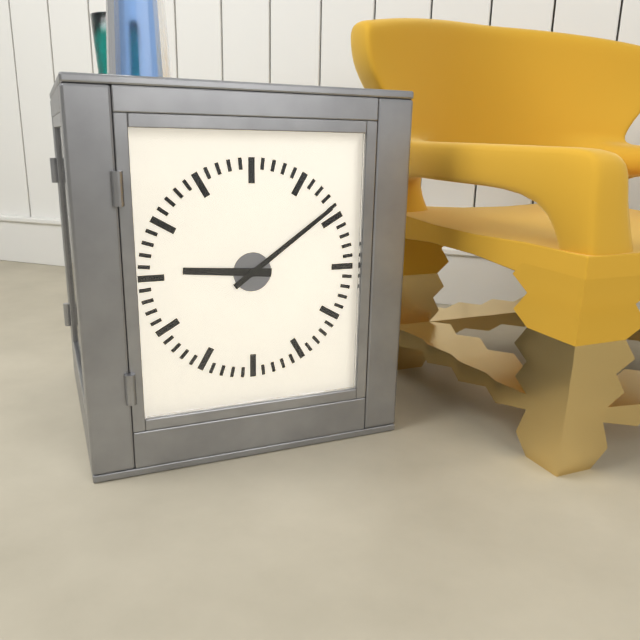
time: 9:09
